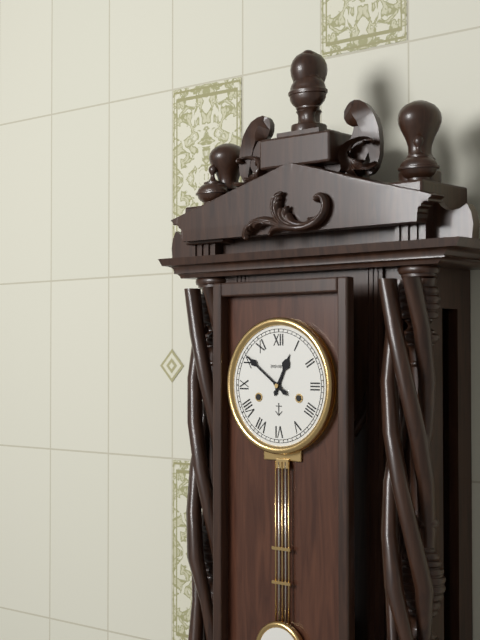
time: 12:51
